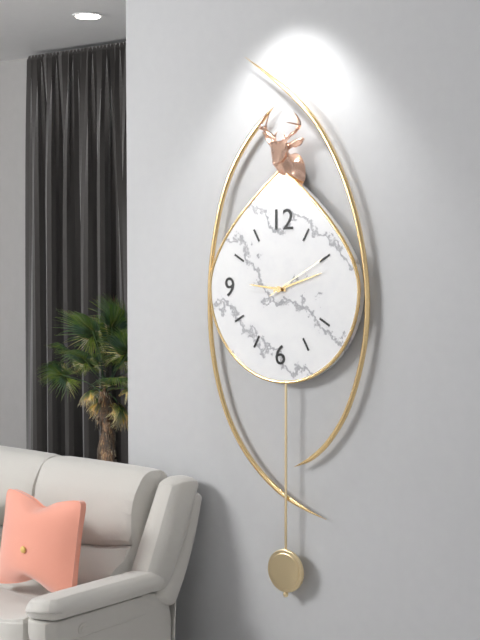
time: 9:12:10
